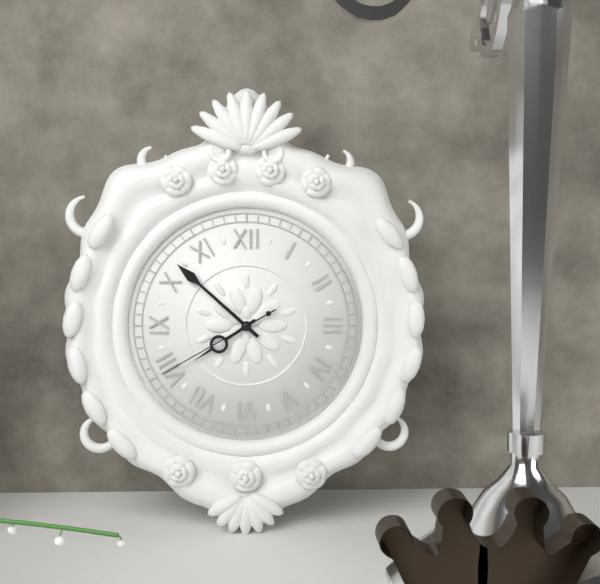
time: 7:52:40
